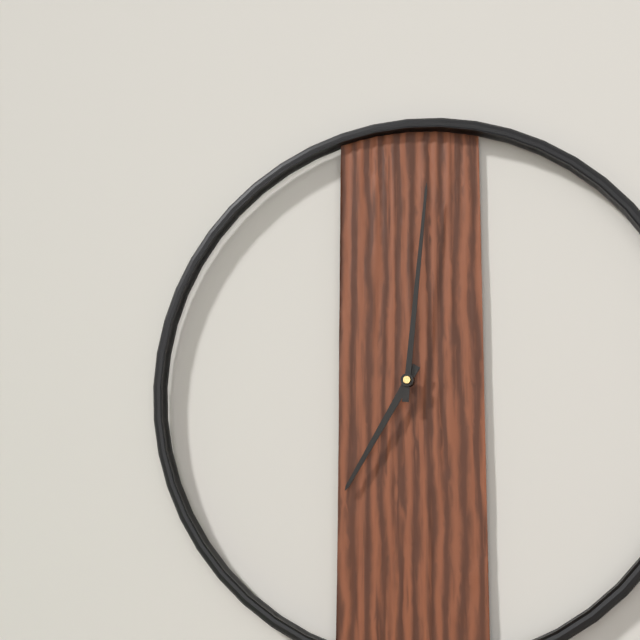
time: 7:01
